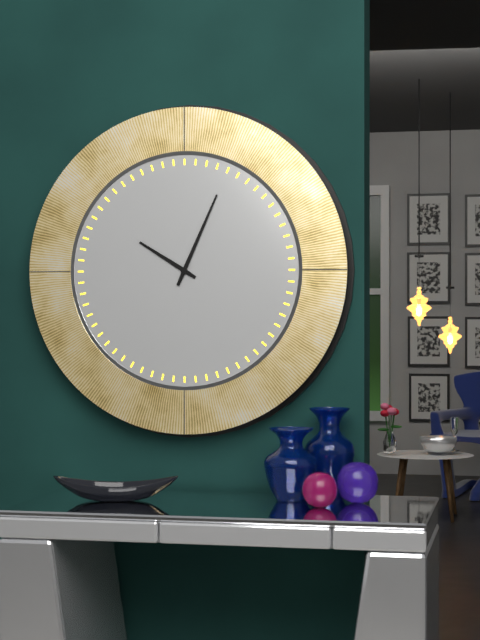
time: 10:04
